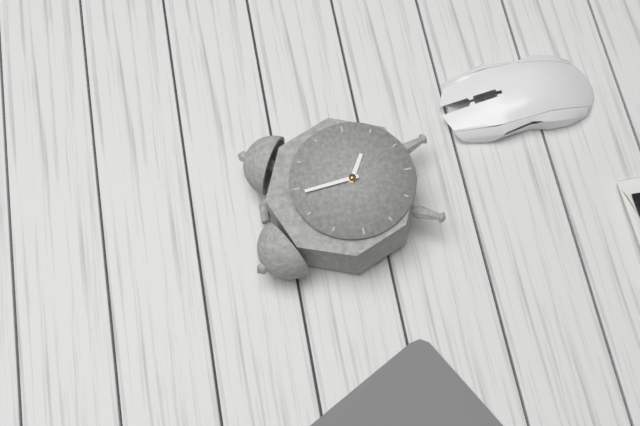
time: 3:59
